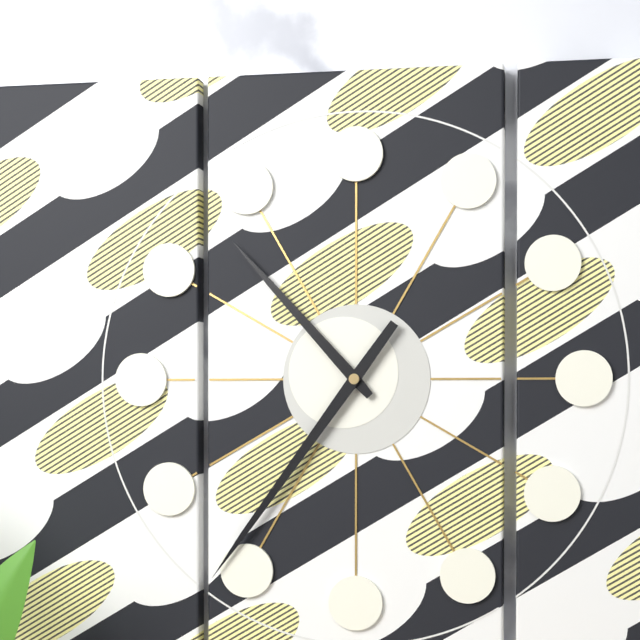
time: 10:36
